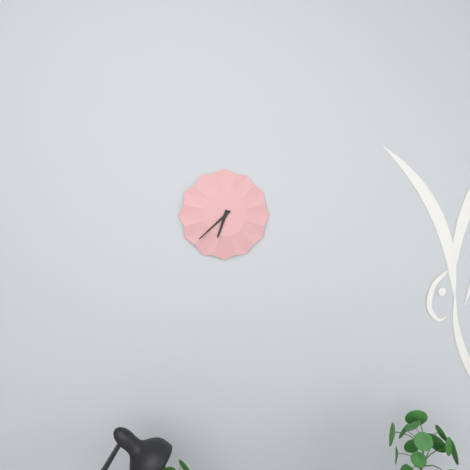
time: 6:38
